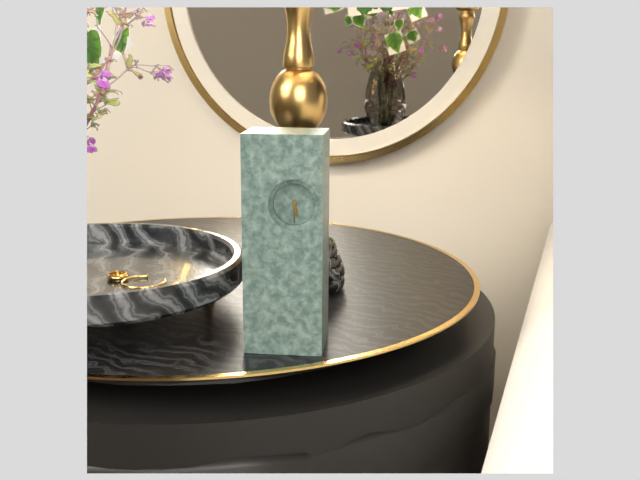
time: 5:30
